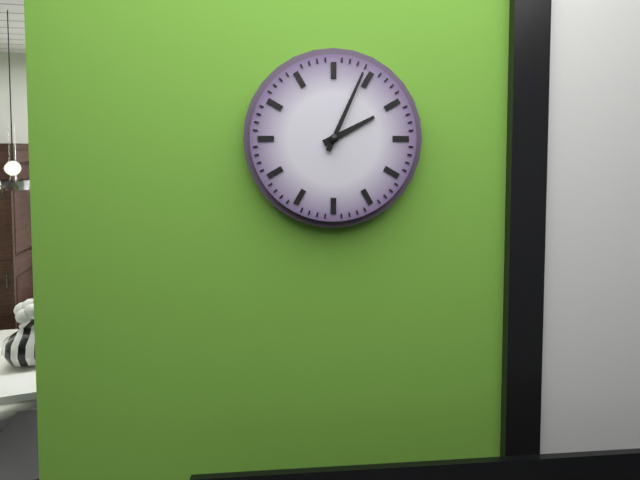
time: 2:04
